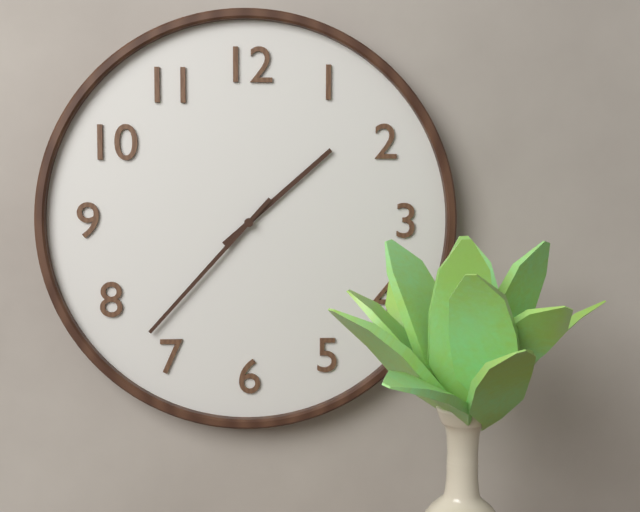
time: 1:37
